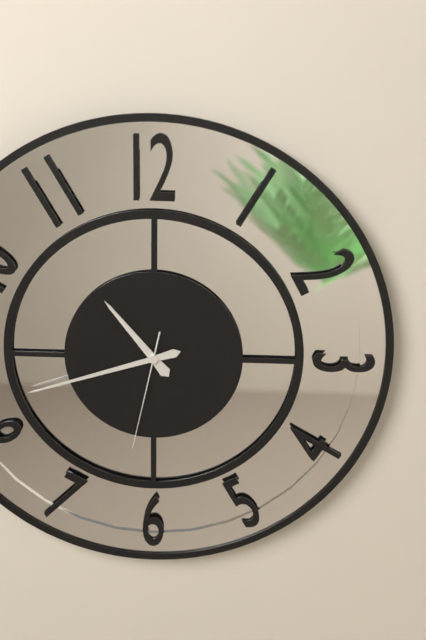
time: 10:42:32
